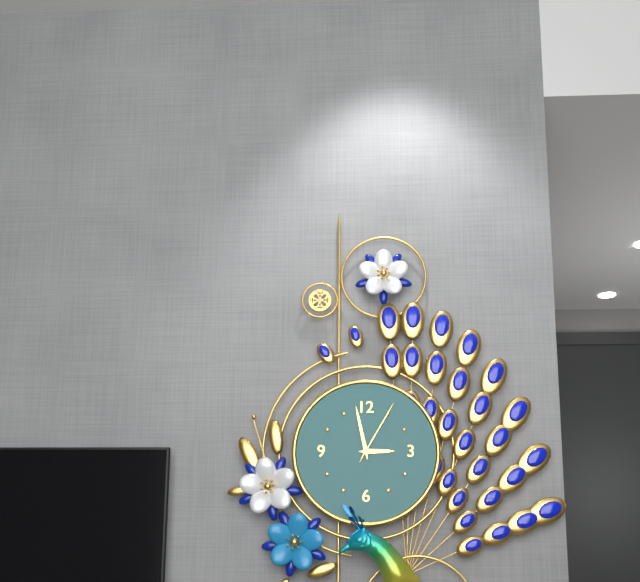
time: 2:58:05
